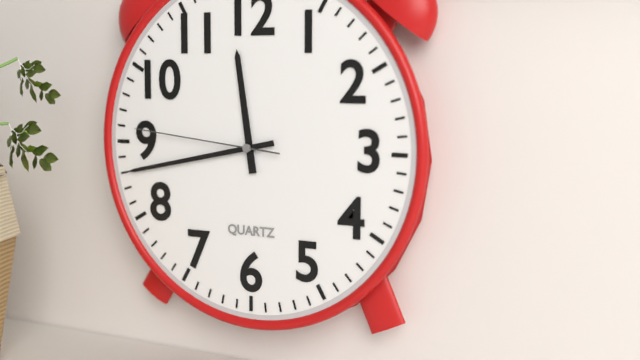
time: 11:43:46
